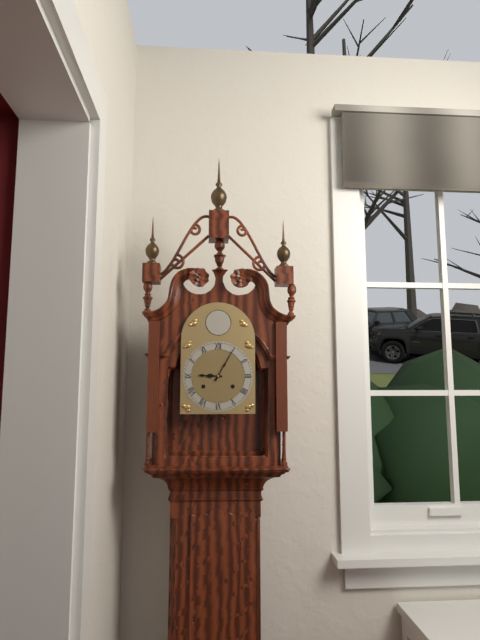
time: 9:05
